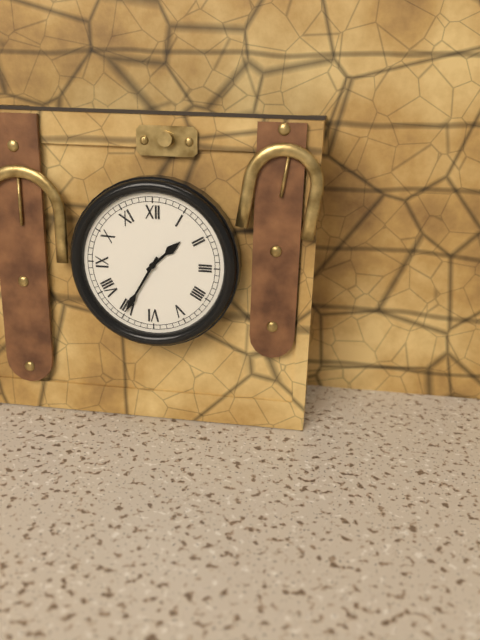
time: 1:35
